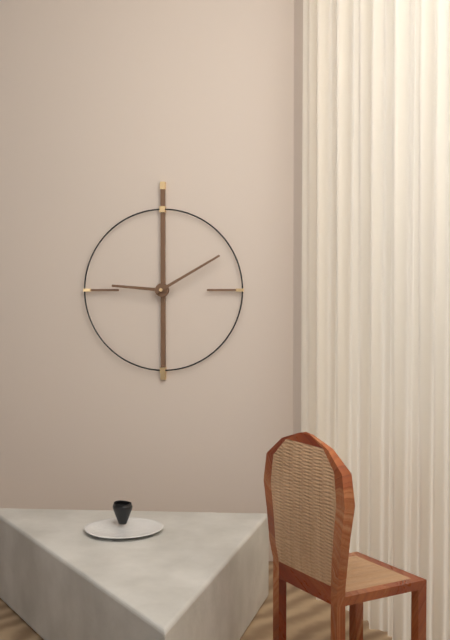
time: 9:10
